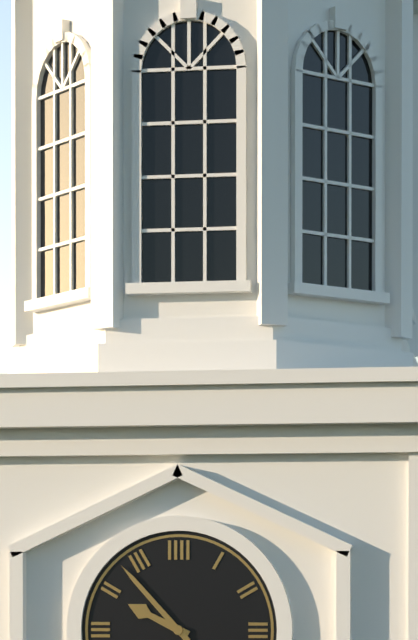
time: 9:53
